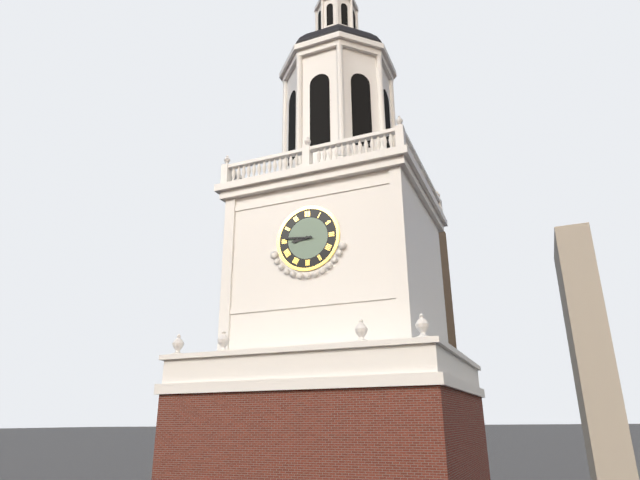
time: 8:46
